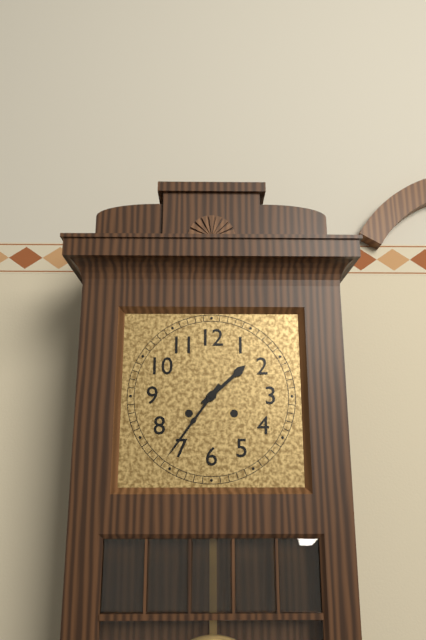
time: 1:36
